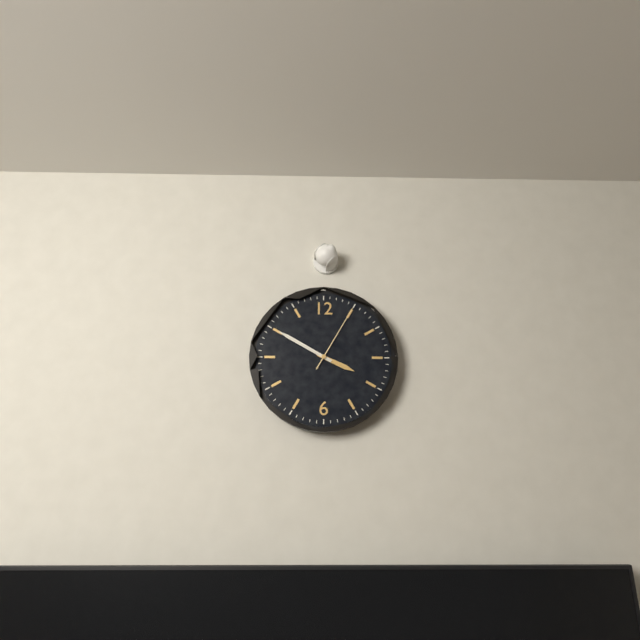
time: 3:50:05
